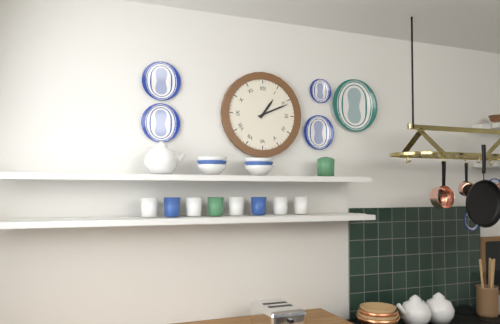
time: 1:11
